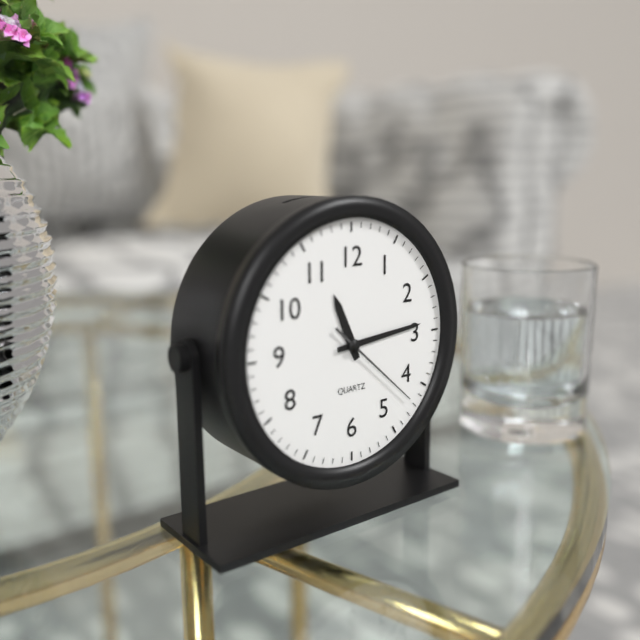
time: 11:14:22
